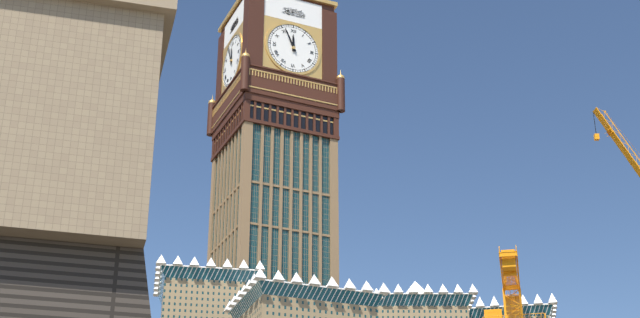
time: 11:56
